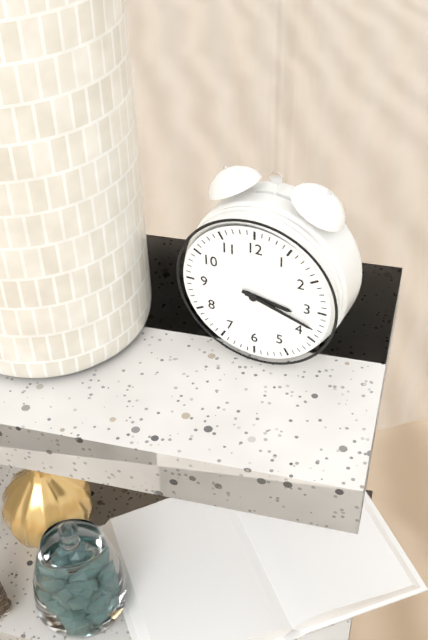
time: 3:18
